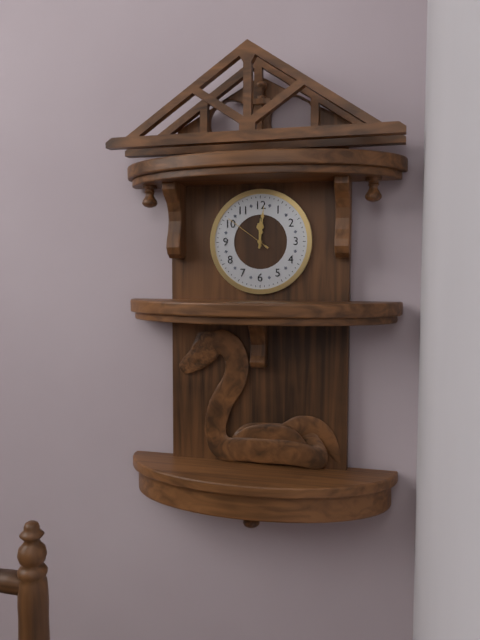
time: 12:01:51
